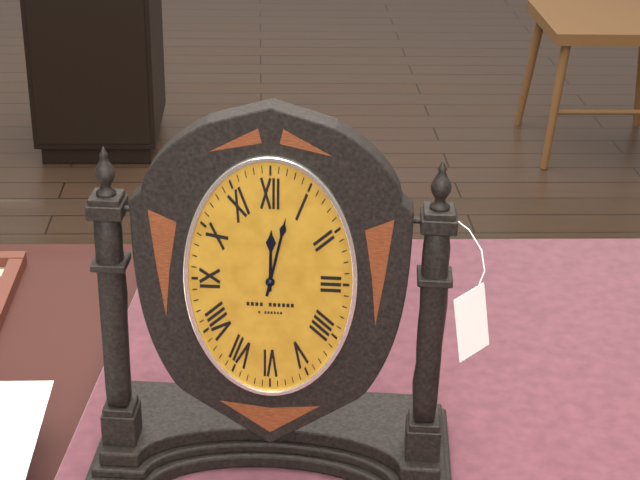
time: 12:02
